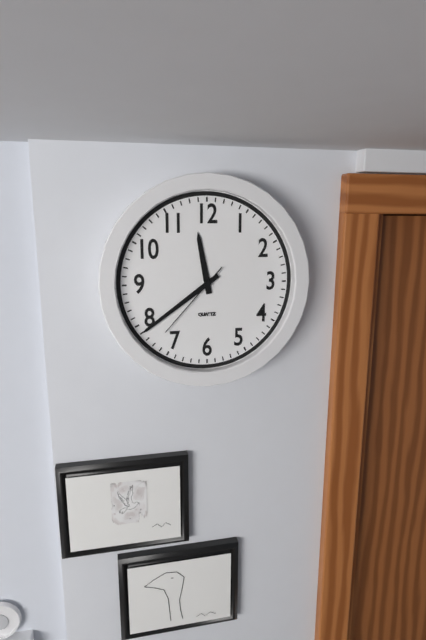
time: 11:39:37
